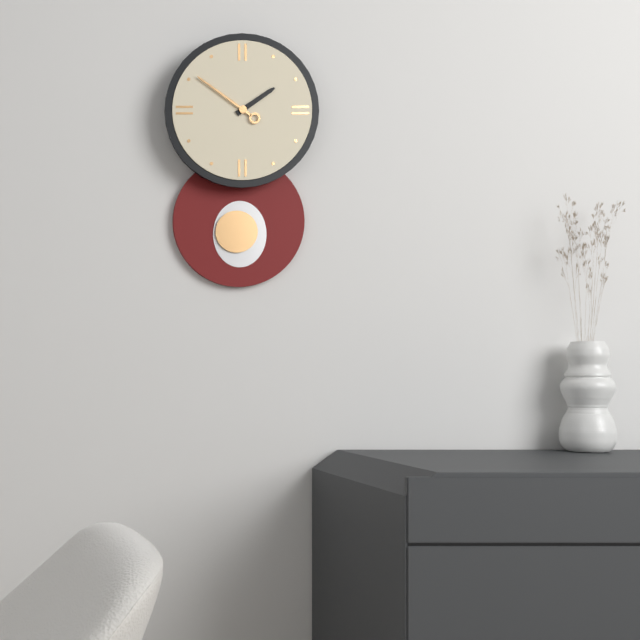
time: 1:51
